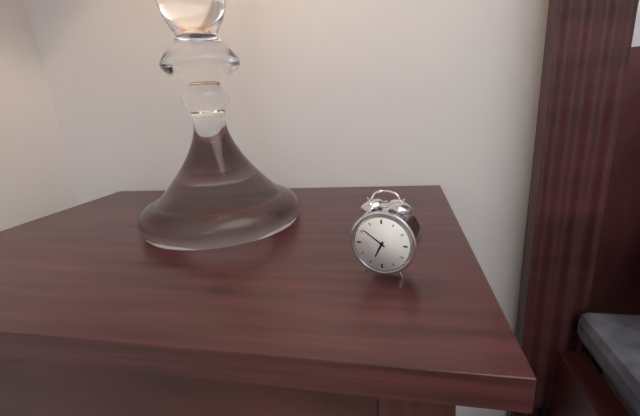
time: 6:51
